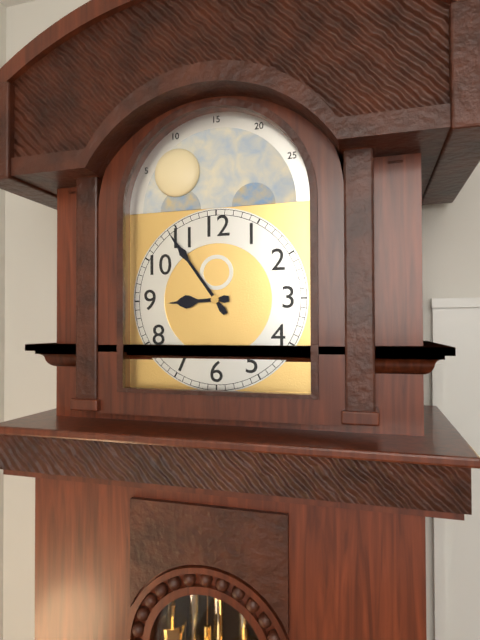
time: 8:54
